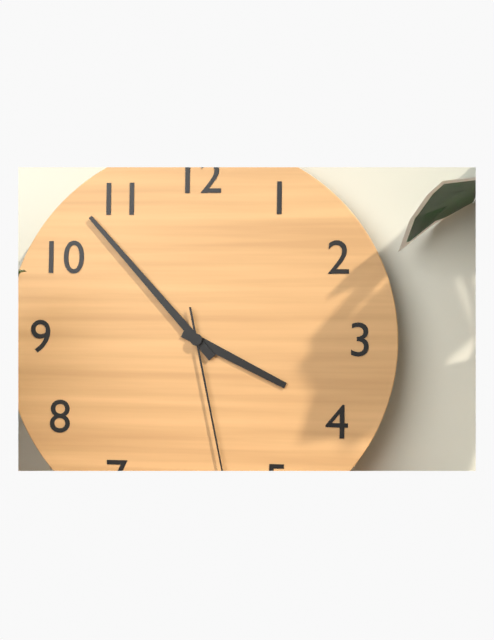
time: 3:53:28
